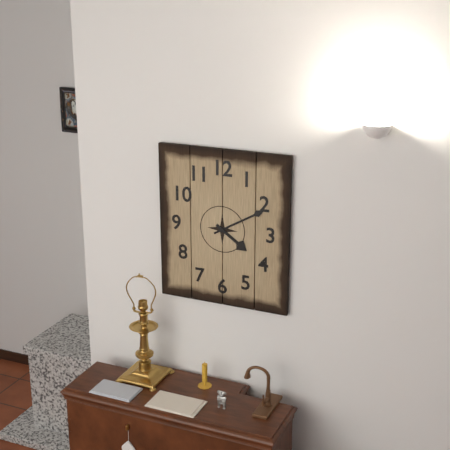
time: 4:10
